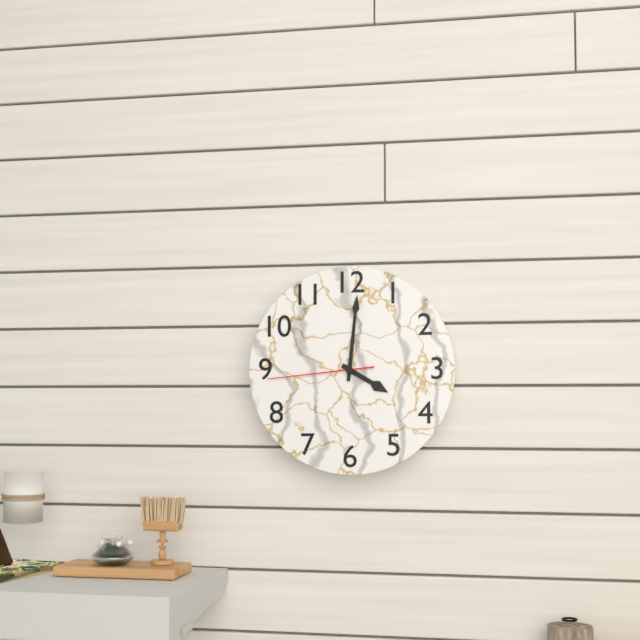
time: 4:01:44
